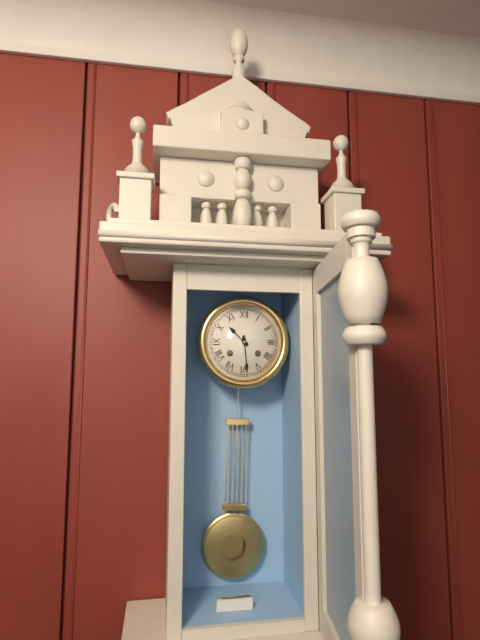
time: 10:29
